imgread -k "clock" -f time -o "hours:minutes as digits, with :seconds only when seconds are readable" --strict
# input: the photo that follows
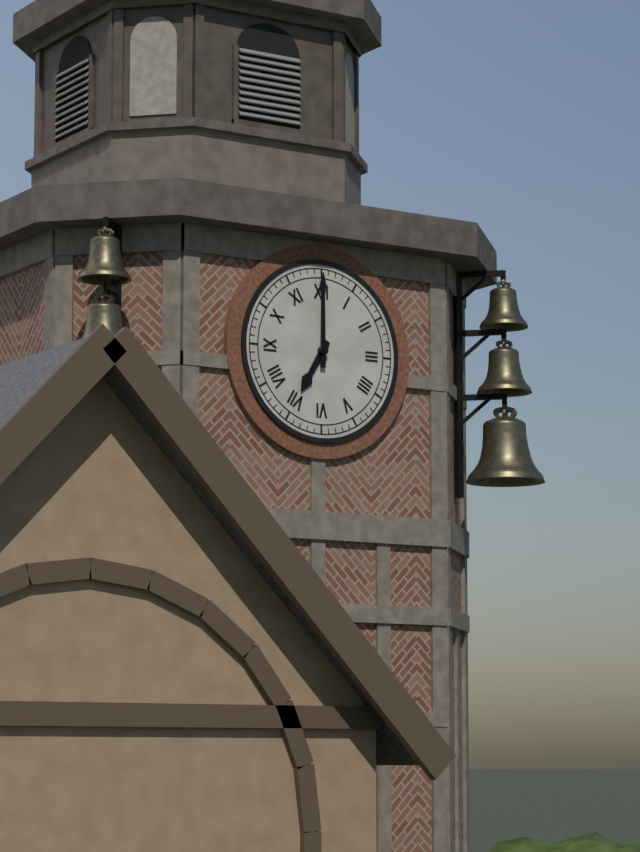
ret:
7:00
